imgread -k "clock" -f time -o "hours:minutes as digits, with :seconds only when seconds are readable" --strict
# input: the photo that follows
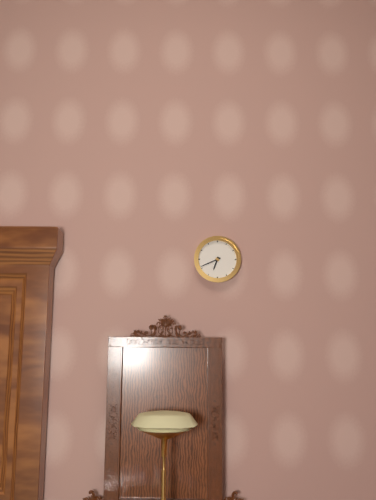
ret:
6:41
